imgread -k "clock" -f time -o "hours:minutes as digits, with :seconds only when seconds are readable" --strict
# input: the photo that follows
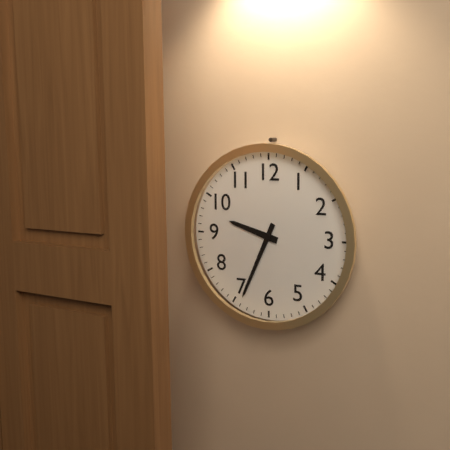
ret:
9:34
